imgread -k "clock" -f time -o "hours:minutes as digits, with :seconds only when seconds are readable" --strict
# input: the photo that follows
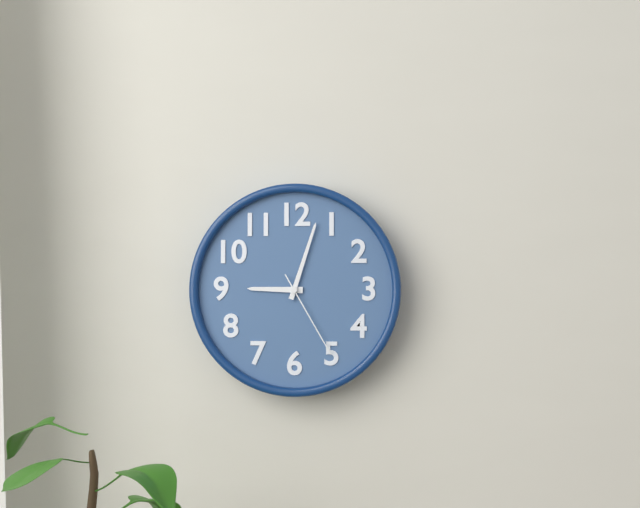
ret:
9:03:25
